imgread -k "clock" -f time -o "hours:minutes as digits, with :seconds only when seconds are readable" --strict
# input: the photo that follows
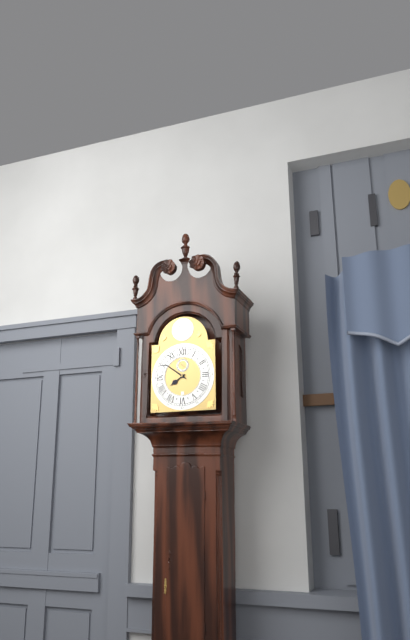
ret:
7:51
